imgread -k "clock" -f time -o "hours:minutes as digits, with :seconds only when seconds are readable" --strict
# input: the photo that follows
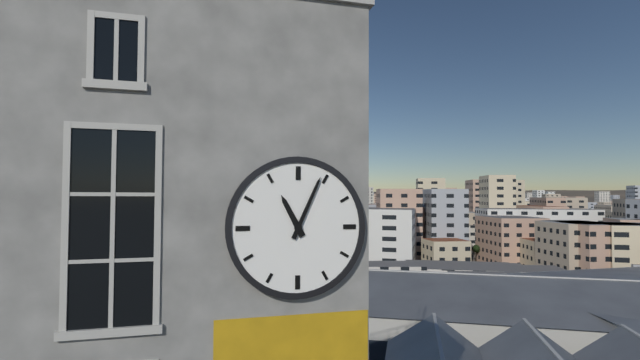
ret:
11:04
